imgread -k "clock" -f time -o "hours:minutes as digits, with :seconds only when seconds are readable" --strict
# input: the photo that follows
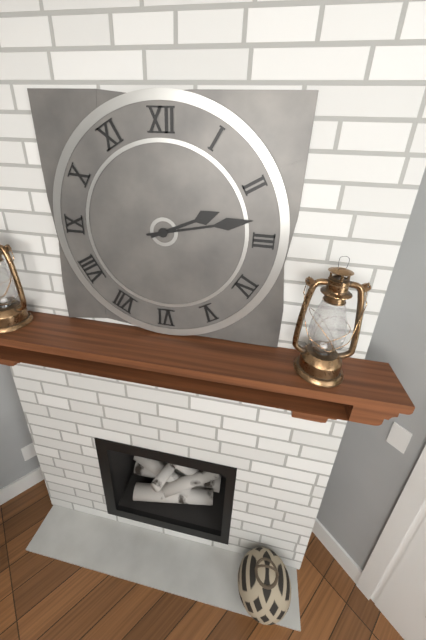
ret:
2:13
